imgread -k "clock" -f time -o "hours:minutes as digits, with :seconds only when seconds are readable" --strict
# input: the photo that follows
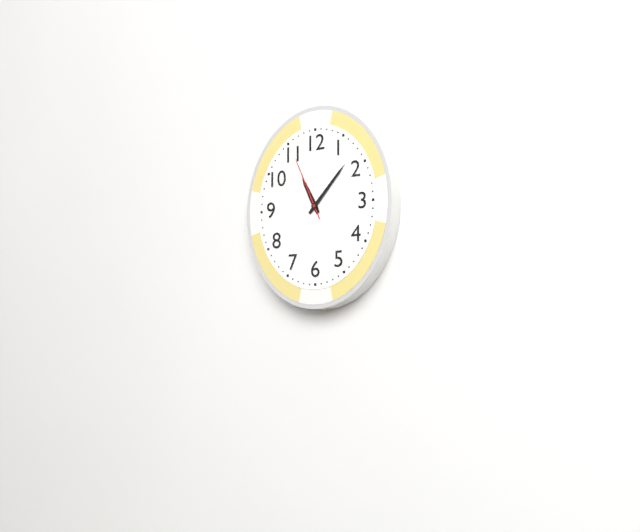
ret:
11:07:56
